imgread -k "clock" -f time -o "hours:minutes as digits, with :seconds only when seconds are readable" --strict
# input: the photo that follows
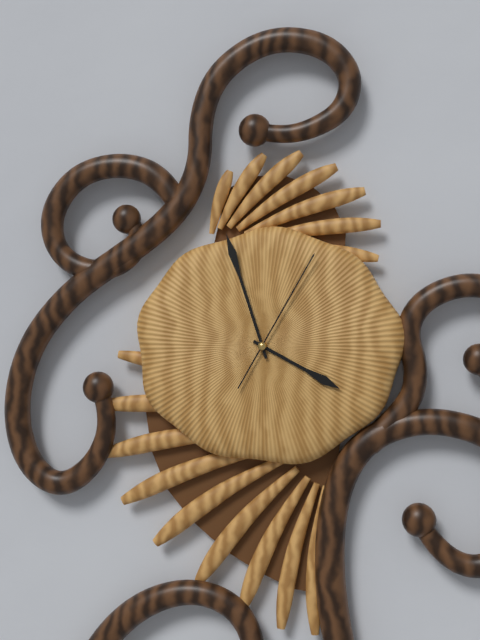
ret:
3:57:05
